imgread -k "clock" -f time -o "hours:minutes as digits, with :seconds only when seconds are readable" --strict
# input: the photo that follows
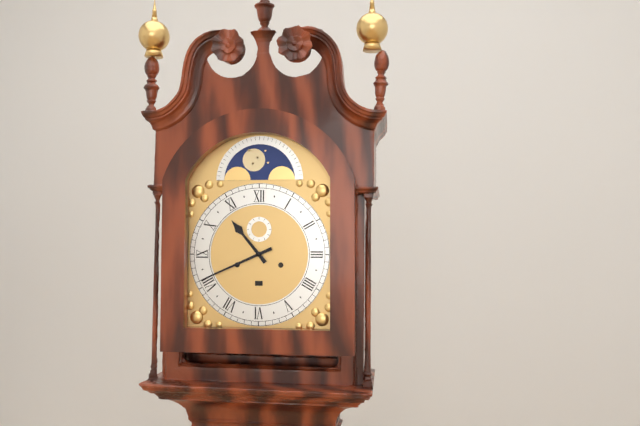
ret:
10:41
